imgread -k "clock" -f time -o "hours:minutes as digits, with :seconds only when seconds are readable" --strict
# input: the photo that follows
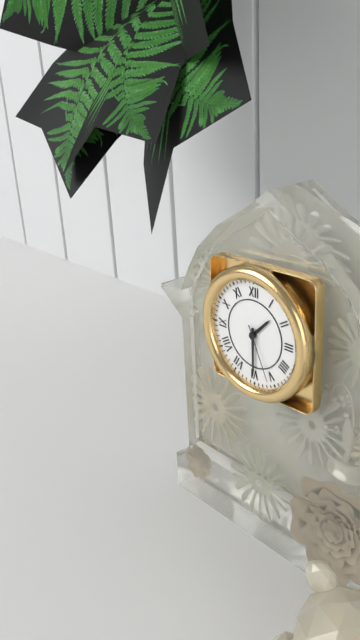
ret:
1:30:26
